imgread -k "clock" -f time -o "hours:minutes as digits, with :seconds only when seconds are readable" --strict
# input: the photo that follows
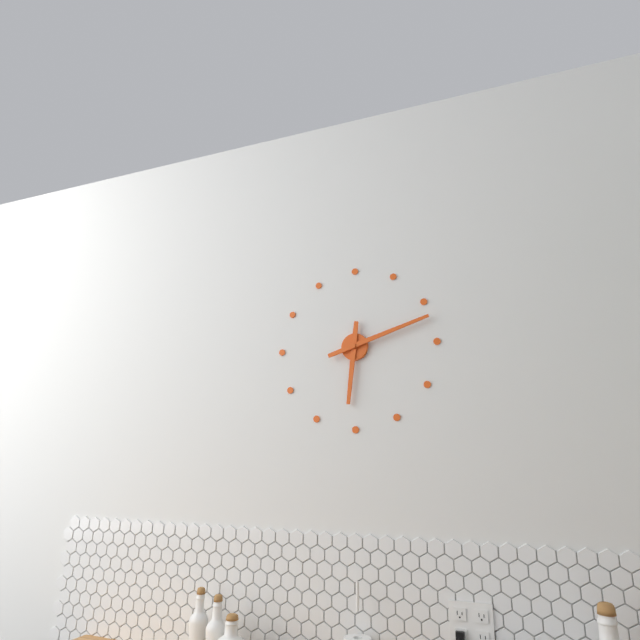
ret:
6:12
